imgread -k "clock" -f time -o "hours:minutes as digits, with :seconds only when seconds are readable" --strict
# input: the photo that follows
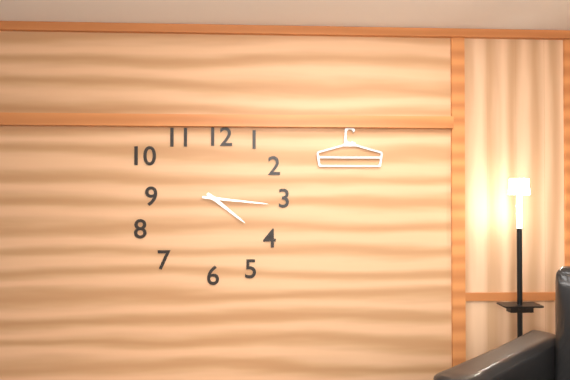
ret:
4:16
